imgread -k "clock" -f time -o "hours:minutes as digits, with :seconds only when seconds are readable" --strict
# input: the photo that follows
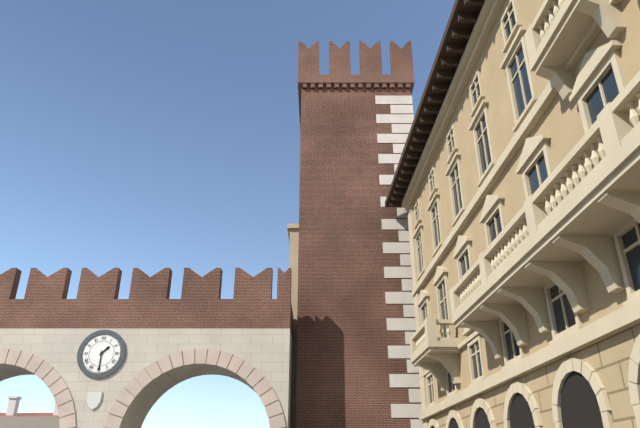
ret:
1:30
